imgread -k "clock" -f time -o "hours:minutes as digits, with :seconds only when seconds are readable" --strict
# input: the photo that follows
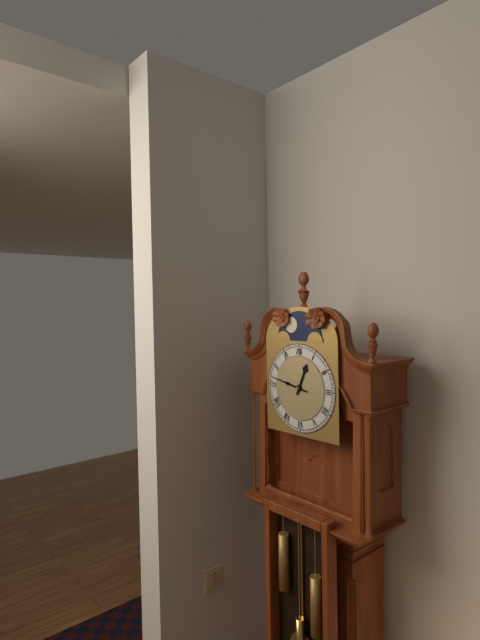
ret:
12:47
